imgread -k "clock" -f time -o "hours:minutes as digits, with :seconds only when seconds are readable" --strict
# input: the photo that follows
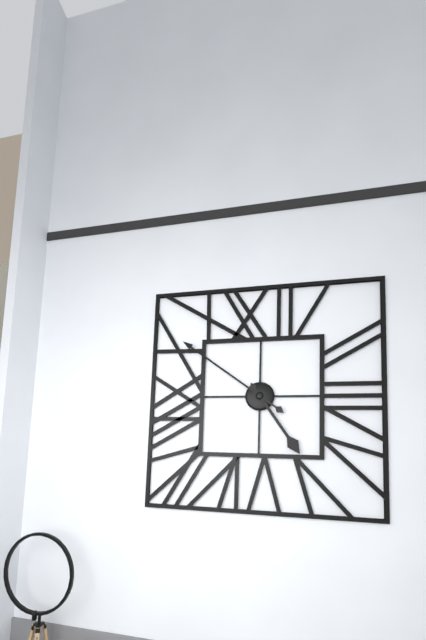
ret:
4:51
